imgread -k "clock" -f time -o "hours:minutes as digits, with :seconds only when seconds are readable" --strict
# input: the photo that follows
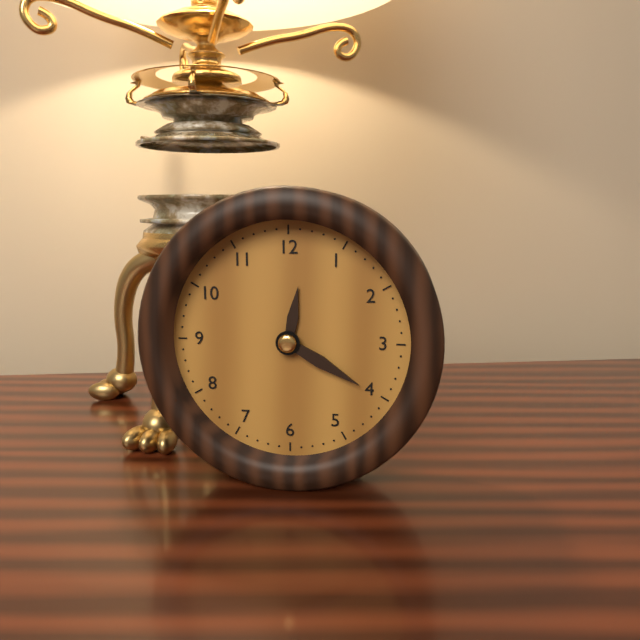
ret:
12:20
